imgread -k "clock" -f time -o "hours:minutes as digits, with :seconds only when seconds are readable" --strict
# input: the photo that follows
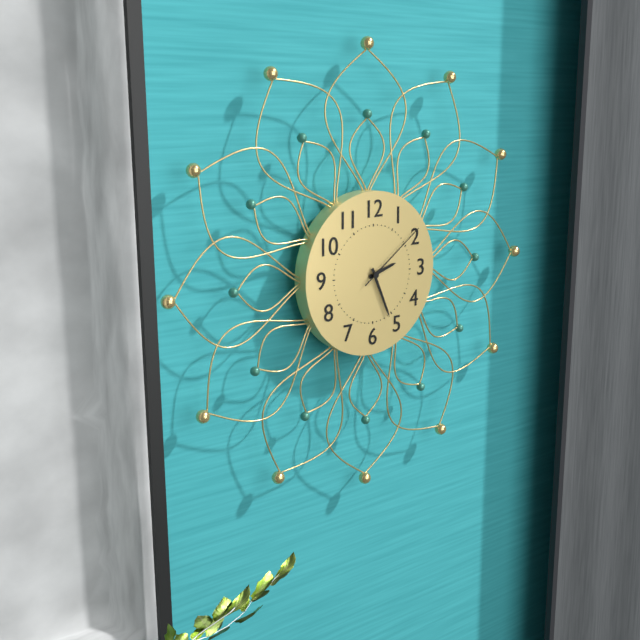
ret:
2:26:09
